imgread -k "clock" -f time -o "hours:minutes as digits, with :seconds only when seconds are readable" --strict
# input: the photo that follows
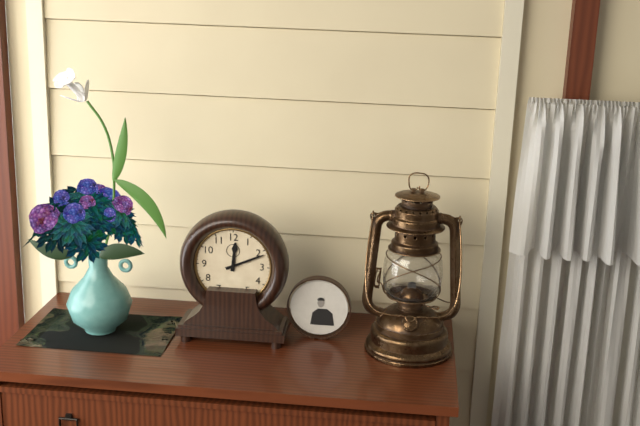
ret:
12:11
